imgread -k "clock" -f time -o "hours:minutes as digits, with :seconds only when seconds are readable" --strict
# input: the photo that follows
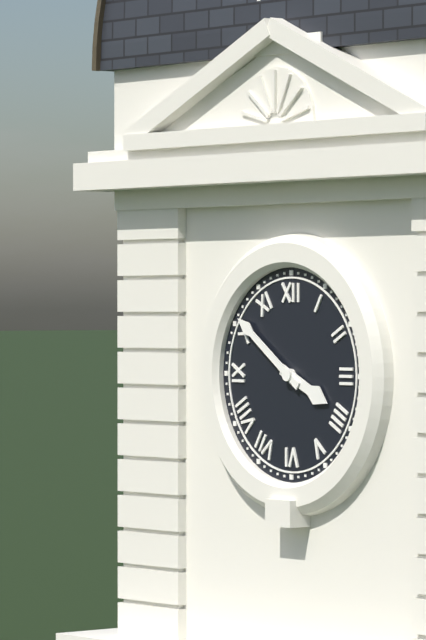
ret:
3:51
